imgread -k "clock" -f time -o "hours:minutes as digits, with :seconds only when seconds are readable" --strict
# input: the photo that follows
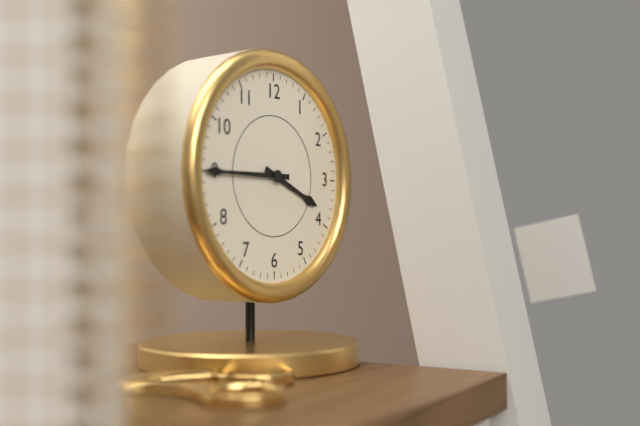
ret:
3:45
